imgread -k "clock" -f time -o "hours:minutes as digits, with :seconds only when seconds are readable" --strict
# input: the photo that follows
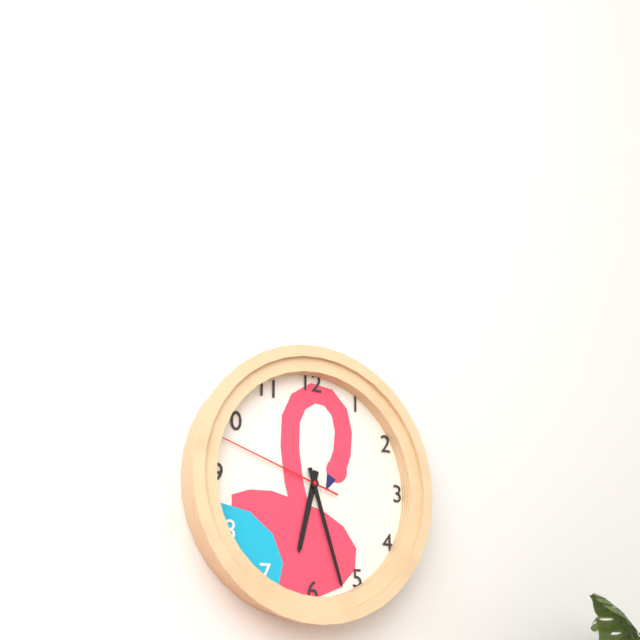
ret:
6:27:48
